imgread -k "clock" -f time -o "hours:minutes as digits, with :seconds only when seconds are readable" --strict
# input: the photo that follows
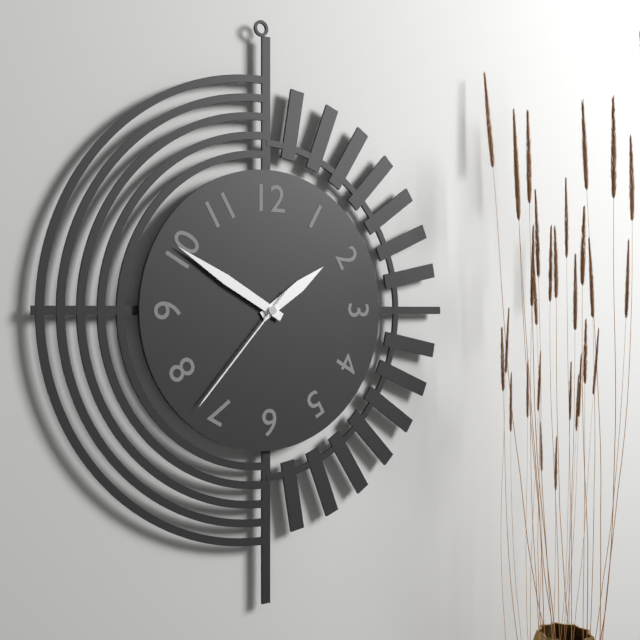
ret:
1:50:37
